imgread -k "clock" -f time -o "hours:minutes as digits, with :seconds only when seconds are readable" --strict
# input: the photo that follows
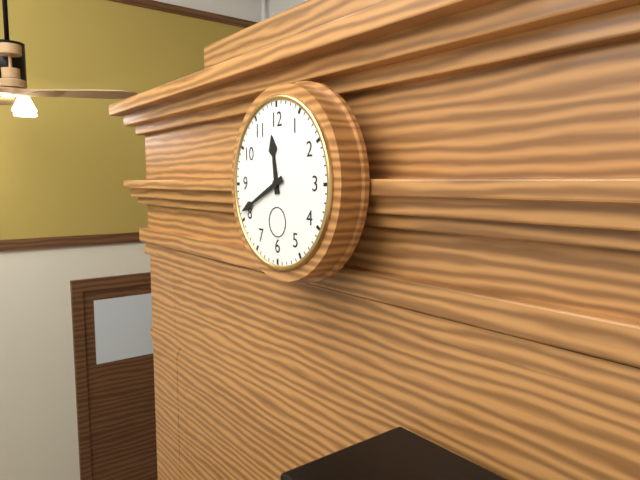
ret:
11:41
